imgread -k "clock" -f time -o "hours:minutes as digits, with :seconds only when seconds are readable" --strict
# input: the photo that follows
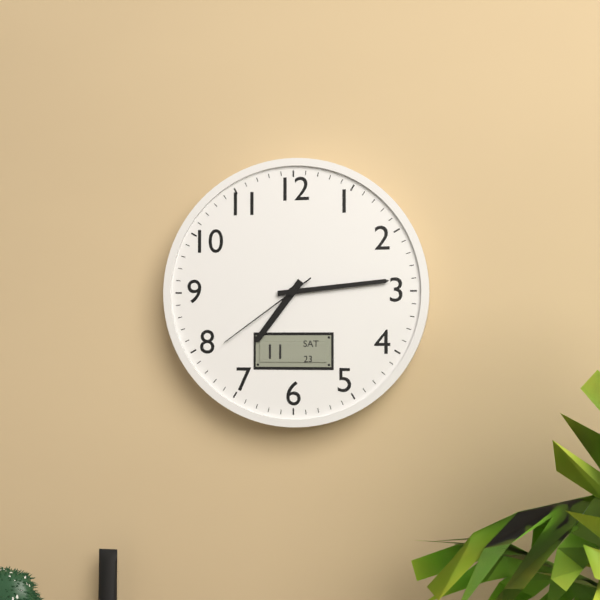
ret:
7:14:39
